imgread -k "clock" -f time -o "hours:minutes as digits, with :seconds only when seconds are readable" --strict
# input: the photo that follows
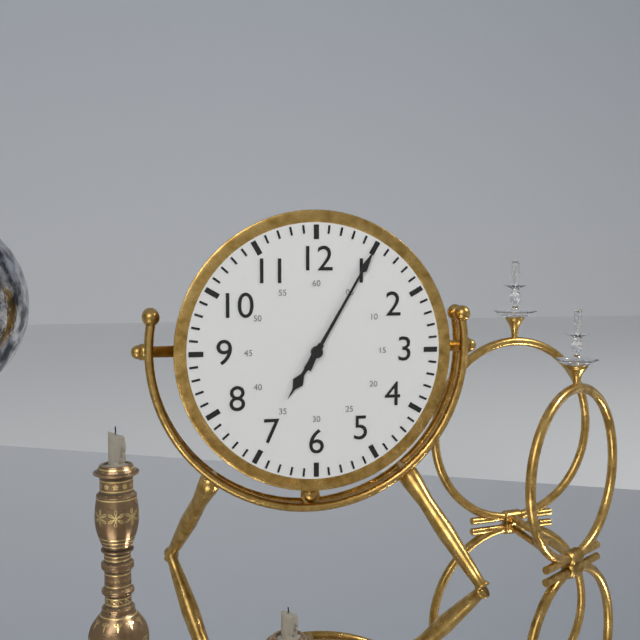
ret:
7:05
